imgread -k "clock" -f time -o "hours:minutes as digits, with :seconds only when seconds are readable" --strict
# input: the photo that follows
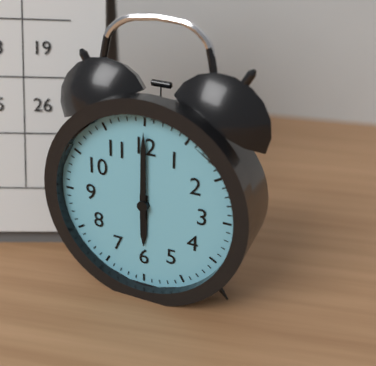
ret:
6:00
